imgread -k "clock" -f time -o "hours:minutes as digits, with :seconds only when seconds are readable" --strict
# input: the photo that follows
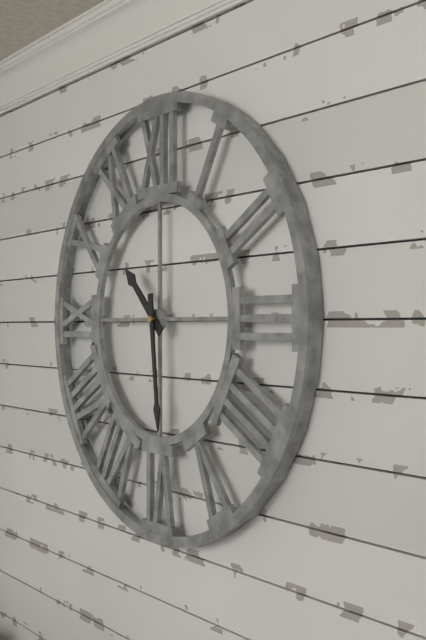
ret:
10:29
